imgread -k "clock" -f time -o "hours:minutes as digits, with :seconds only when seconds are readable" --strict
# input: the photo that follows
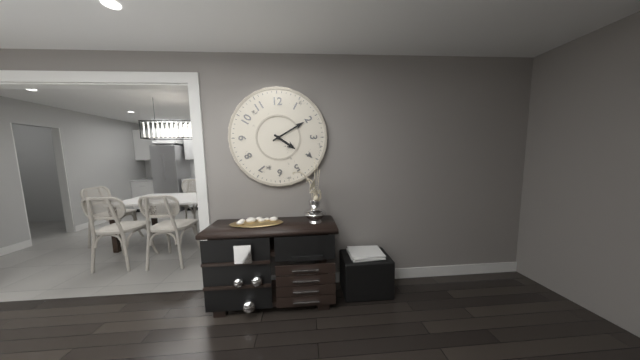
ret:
4:10
